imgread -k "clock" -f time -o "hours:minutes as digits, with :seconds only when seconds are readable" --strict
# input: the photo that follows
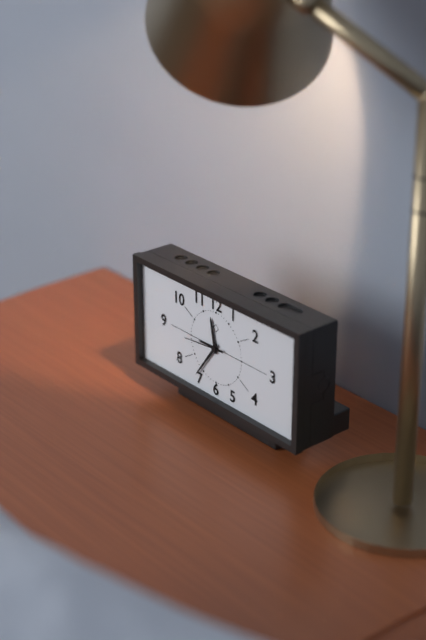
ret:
11:36
